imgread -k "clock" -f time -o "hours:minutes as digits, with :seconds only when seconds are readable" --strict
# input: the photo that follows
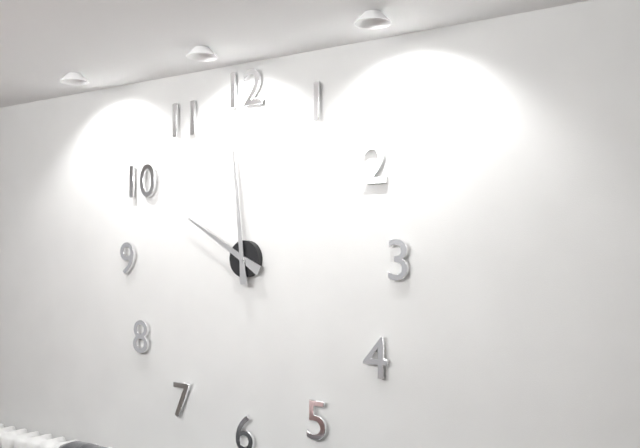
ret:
9:59
